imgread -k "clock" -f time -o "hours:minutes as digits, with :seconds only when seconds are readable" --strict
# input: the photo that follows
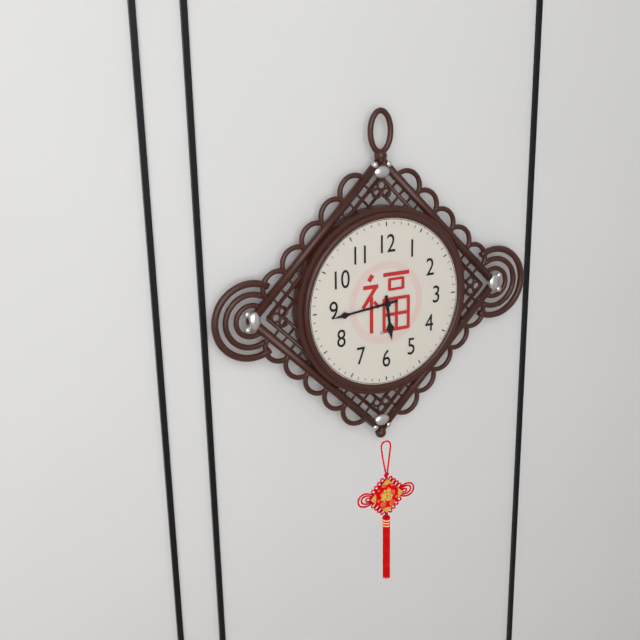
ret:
5:44
